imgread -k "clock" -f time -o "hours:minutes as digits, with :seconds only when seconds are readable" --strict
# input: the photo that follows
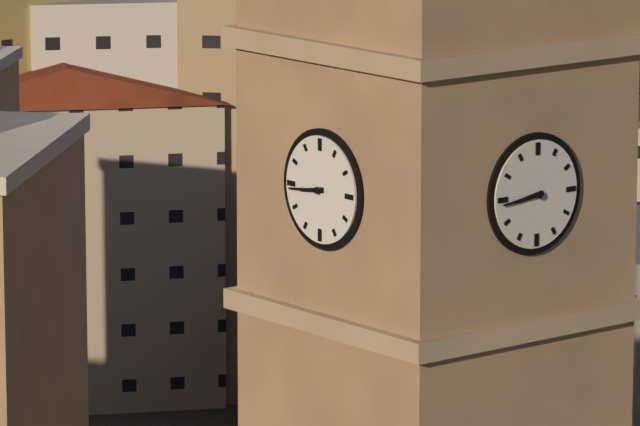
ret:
8:44
